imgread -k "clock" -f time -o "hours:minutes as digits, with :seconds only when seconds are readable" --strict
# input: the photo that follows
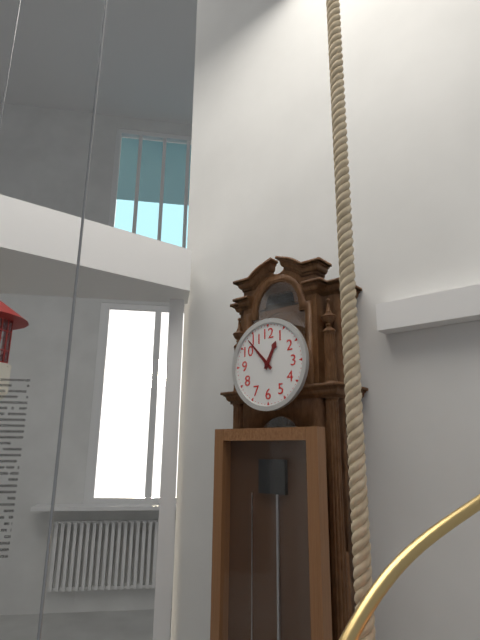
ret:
12:53
